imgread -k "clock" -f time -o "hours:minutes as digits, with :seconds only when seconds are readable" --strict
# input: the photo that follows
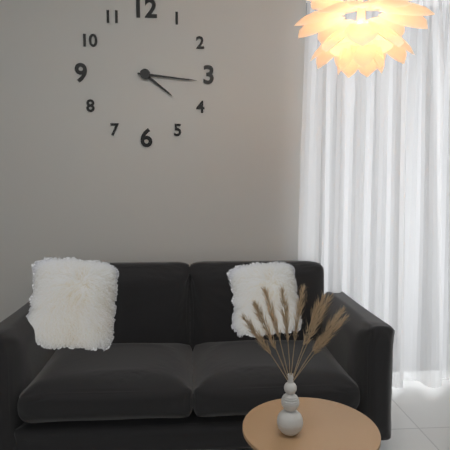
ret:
4:16
